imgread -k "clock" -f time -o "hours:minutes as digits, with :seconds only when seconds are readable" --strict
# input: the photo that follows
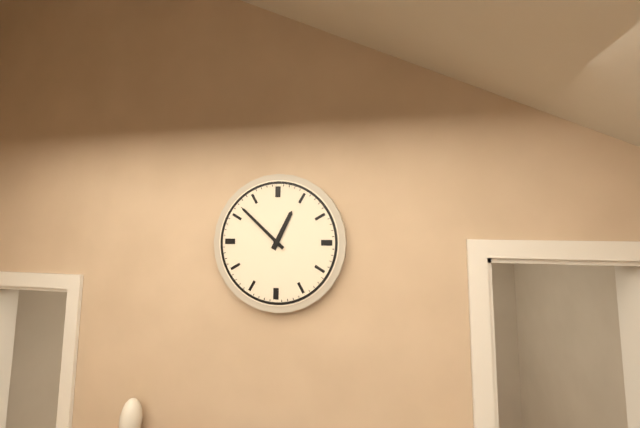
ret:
12:52
